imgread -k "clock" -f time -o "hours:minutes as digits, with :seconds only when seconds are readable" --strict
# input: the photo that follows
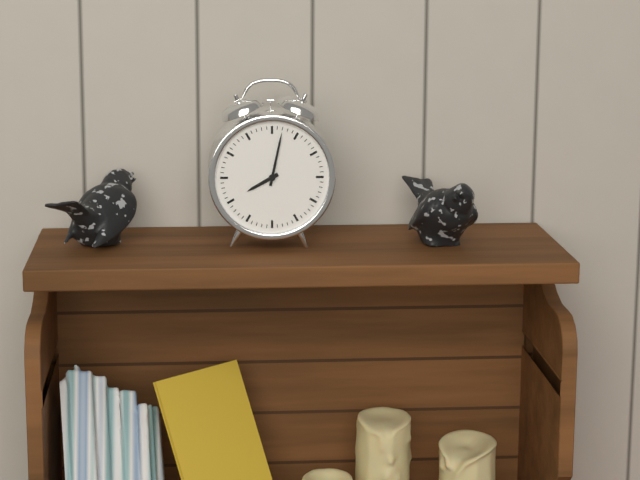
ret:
8:02
